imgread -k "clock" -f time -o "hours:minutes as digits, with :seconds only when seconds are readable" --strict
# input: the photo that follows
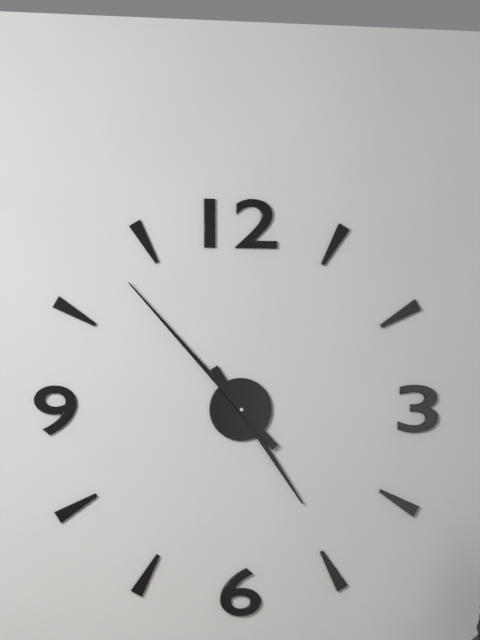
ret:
4:53
